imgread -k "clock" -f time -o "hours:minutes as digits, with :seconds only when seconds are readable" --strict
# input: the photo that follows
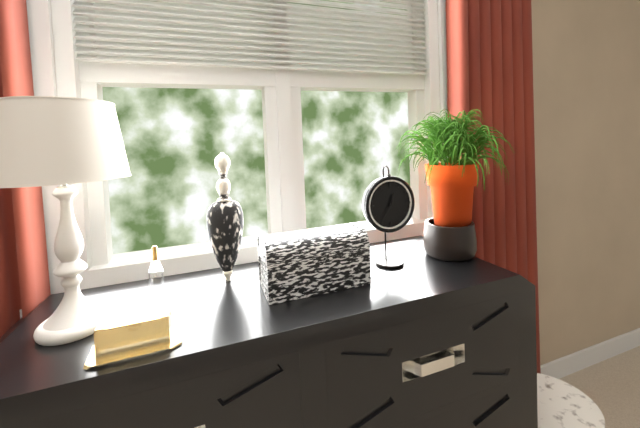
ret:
12:36
